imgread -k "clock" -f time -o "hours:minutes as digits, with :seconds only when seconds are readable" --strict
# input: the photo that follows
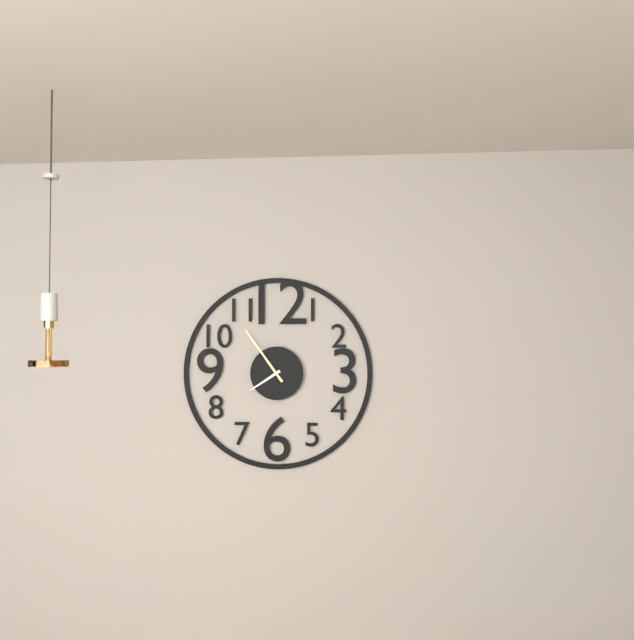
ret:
7:54
